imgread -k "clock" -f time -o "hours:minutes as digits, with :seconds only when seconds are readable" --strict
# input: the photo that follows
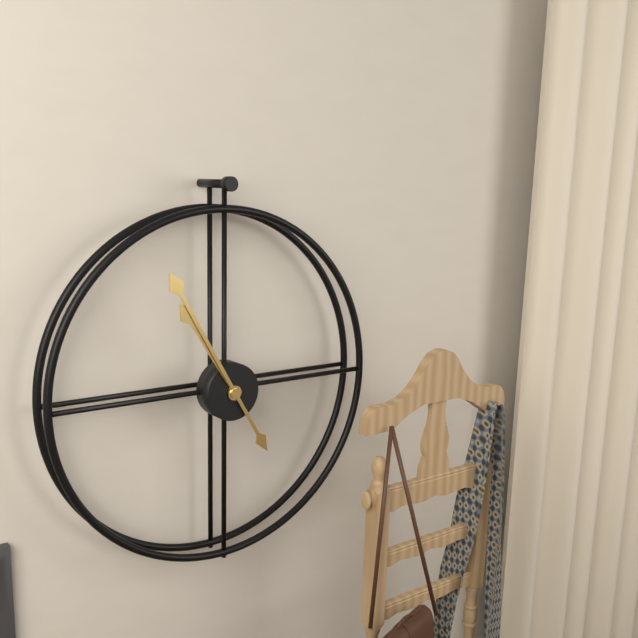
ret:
10:55
